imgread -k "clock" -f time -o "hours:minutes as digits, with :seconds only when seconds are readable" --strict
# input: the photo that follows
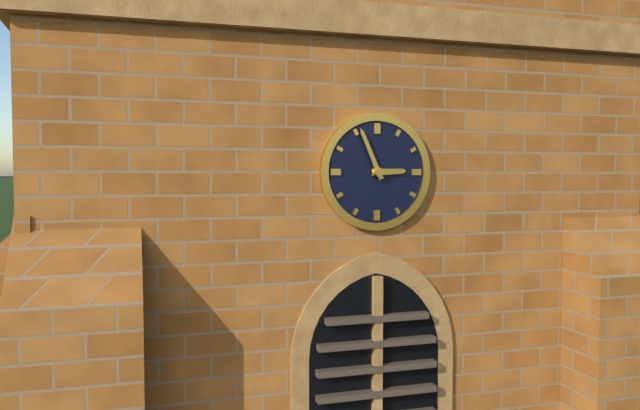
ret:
2:56
